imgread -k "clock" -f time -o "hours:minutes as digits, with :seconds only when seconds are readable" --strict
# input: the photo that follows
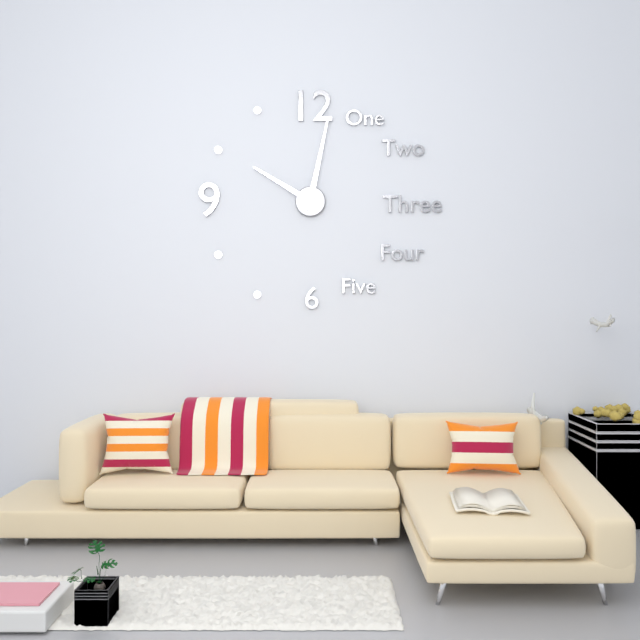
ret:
10:02
